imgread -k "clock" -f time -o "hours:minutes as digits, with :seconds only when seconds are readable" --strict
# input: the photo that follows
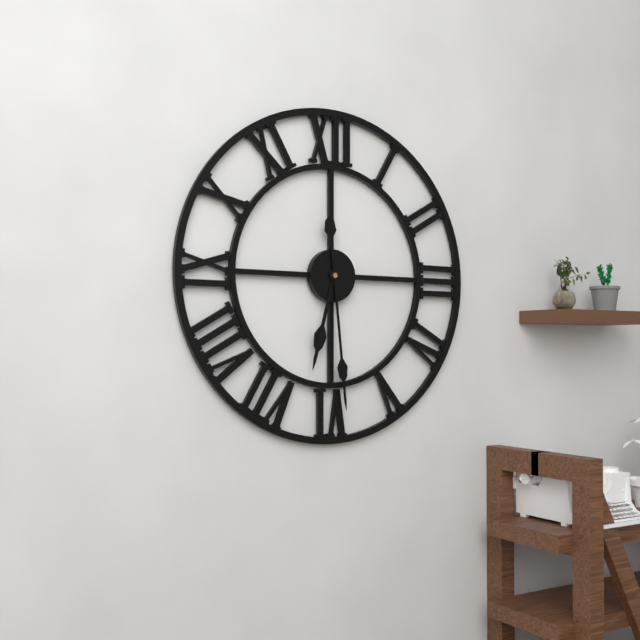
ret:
6:29
